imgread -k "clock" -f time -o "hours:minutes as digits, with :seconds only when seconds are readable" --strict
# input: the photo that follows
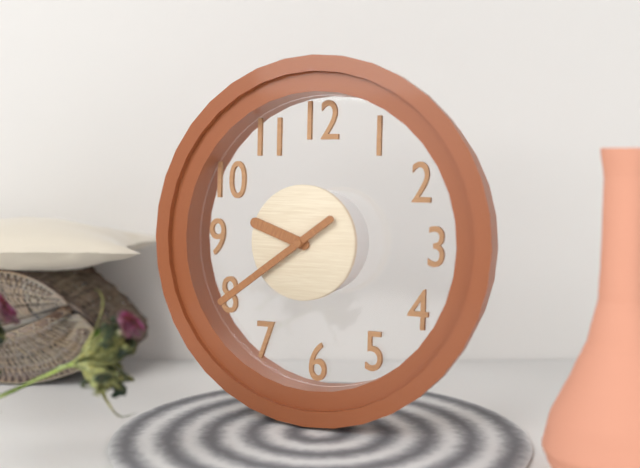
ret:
9:39
